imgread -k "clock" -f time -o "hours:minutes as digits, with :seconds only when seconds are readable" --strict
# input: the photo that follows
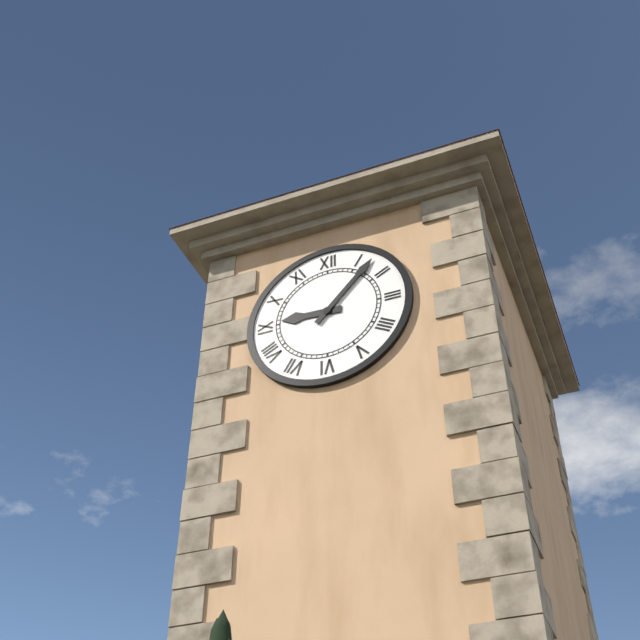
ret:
9:07
